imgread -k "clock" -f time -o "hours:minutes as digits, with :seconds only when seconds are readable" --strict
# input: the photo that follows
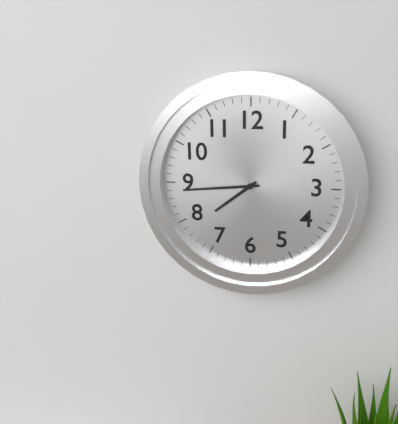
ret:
7:44
